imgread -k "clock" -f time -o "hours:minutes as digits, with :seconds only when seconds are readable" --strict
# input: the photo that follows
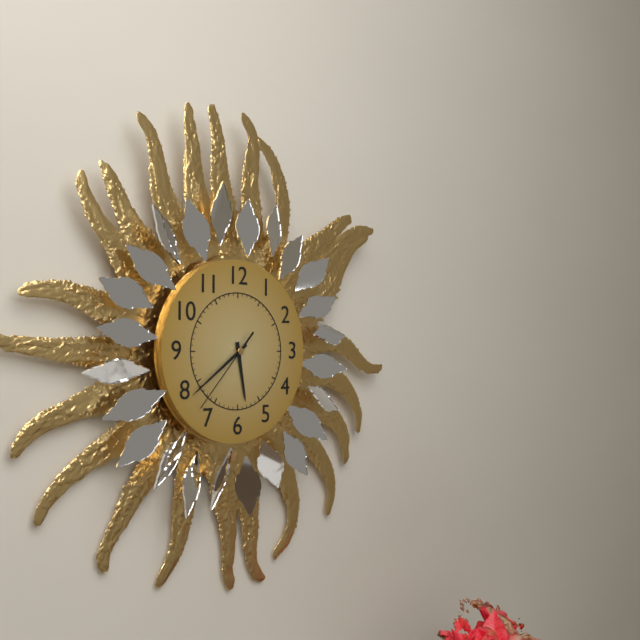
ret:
5:39:37
